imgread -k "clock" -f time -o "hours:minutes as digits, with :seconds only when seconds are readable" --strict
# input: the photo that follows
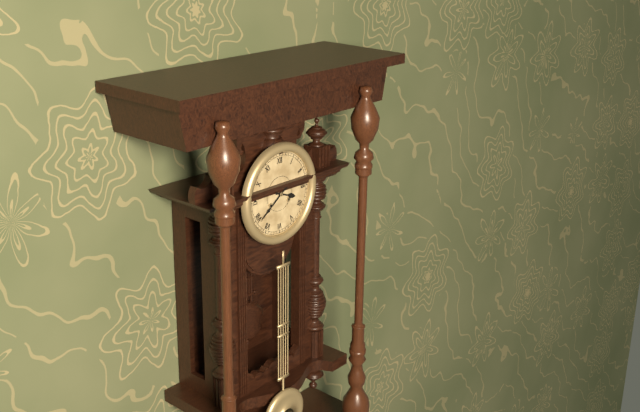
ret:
3:39
